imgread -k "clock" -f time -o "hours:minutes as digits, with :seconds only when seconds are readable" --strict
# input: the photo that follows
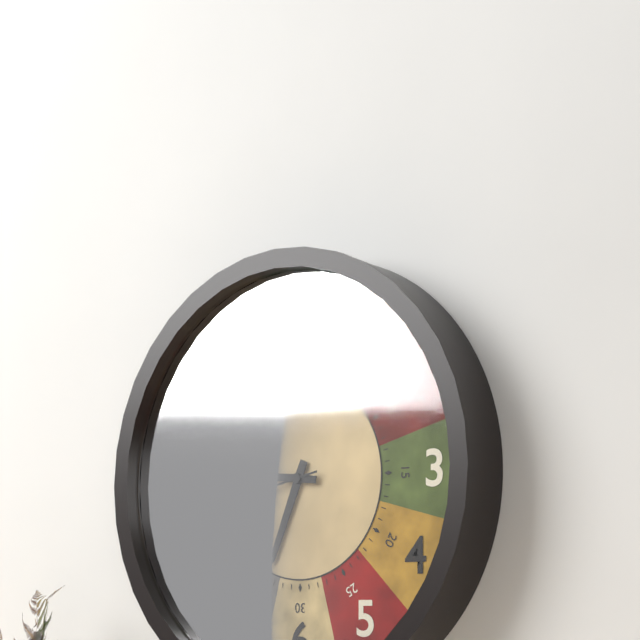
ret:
6:46:43
